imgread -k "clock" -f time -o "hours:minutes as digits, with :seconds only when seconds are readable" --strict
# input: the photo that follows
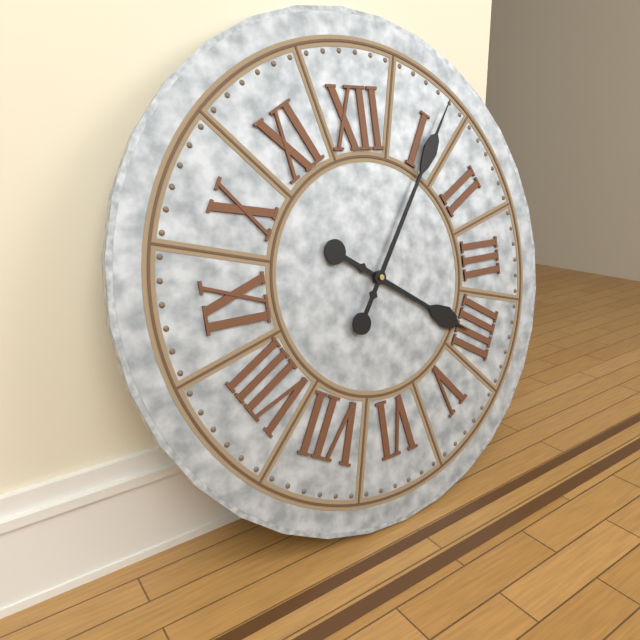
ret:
4:06
